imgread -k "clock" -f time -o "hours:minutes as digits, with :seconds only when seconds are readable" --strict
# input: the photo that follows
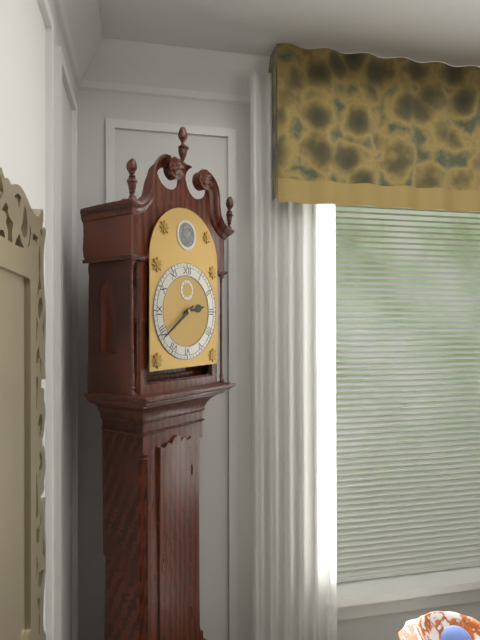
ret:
2:39
